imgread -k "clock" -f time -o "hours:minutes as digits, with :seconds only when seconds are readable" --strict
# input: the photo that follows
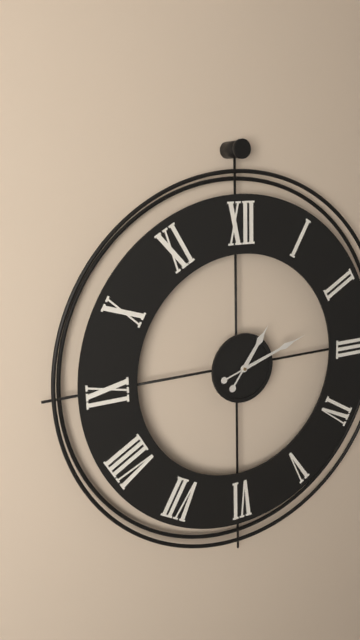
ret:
1:12
